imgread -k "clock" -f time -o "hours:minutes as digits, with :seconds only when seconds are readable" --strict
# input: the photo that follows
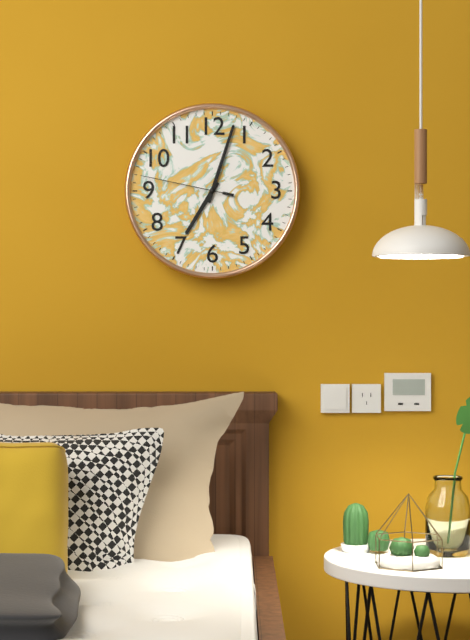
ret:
7:03:47
